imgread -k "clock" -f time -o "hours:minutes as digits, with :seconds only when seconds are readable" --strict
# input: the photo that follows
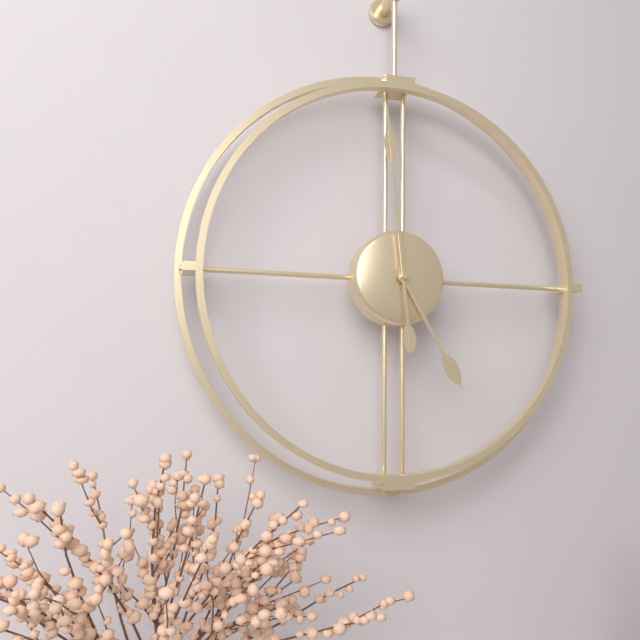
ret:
4:59
